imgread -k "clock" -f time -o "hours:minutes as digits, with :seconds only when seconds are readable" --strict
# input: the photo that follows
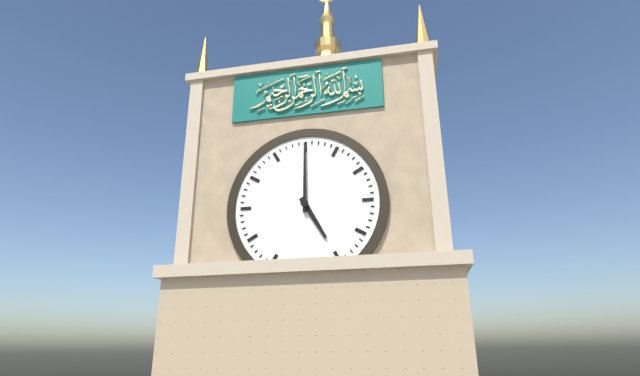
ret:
5:00
